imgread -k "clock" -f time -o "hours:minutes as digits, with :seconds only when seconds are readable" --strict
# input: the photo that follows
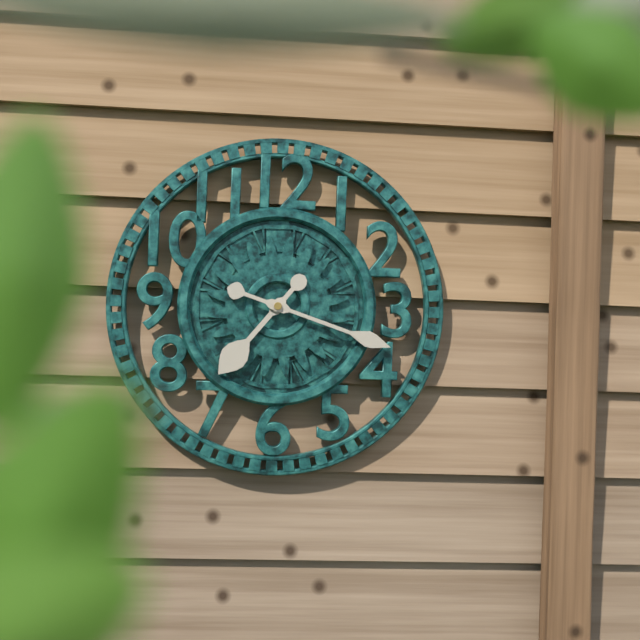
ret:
7:18
